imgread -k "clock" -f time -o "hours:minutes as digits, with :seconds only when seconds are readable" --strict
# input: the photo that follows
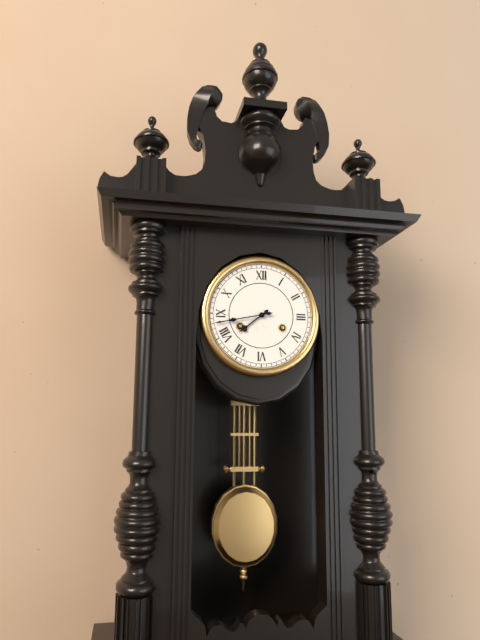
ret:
7:43
